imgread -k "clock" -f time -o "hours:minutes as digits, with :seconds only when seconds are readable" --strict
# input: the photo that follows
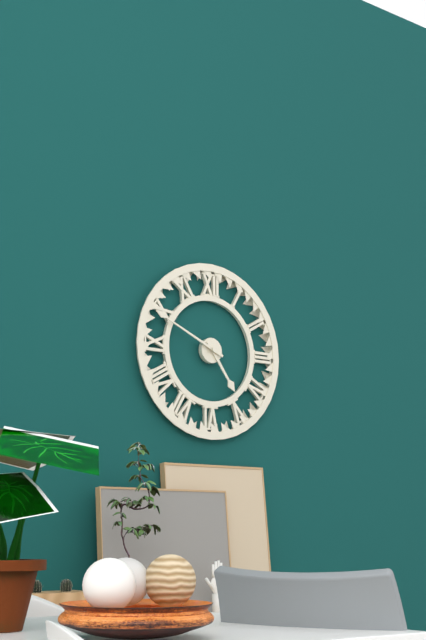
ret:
4:49
